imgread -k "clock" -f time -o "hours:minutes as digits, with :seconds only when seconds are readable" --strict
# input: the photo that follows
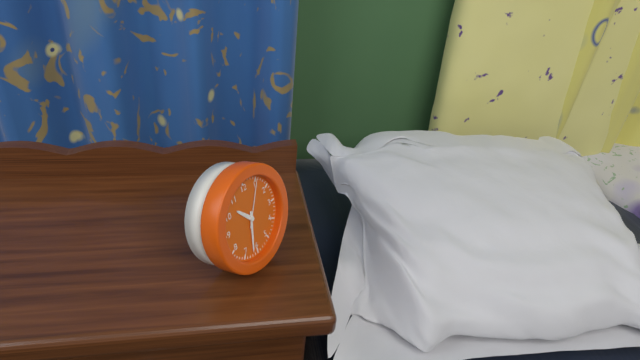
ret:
10:32
